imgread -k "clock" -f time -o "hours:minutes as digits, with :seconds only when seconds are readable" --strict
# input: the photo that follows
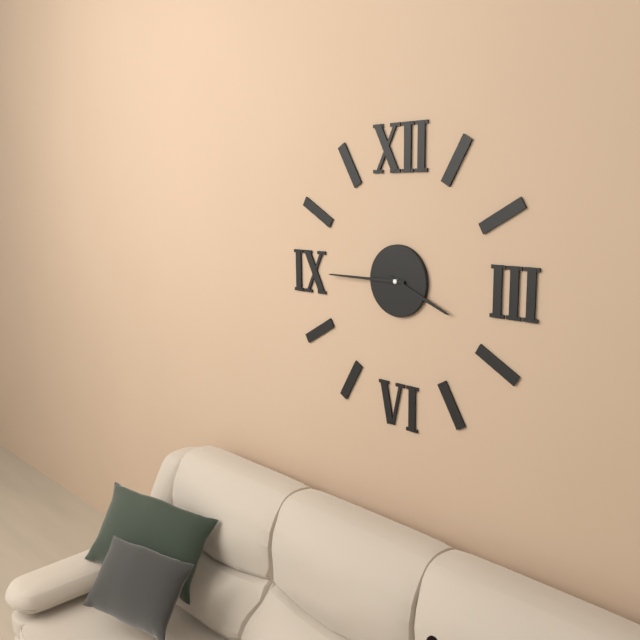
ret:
3:45
